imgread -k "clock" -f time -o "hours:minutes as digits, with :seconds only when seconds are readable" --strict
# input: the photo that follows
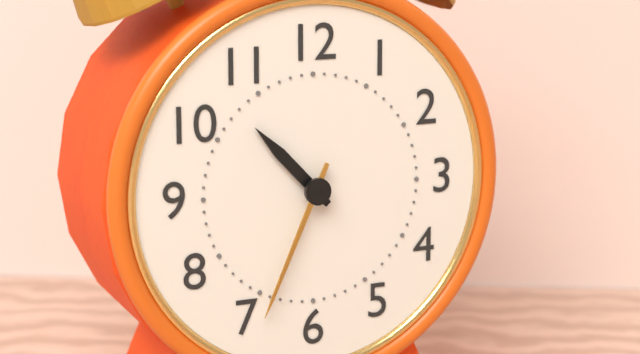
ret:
10:34
